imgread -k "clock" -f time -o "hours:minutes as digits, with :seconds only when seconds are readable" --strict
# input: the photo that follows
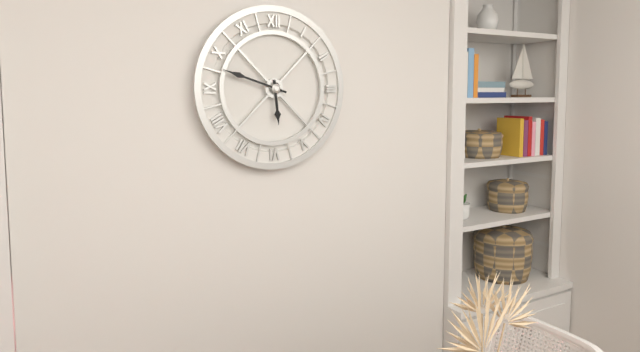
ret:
5:48
